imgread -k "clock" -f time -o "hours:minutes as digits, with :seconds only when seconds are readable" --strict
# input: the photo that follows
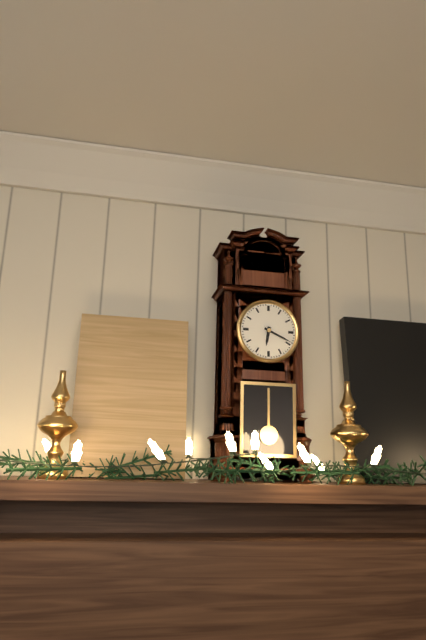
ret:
6:19
